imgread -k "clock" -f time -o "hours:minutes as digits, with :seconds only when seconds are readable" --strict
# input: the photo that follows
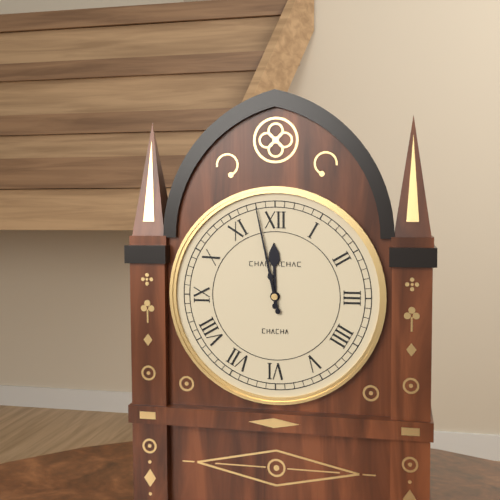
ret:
11:58
